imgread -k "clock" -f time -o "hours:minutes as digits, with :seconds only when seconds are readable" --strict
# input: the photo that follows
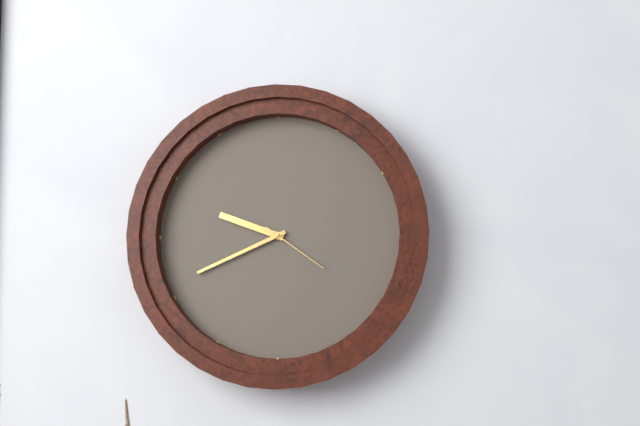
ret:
9:41:21
